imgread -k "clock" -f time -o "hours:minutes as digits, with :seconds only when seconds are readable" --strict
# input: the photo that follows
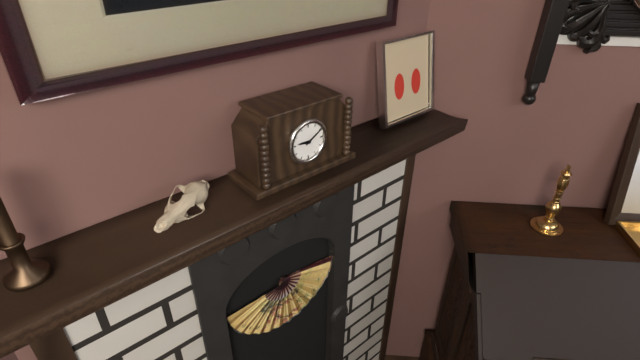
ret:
9:10
